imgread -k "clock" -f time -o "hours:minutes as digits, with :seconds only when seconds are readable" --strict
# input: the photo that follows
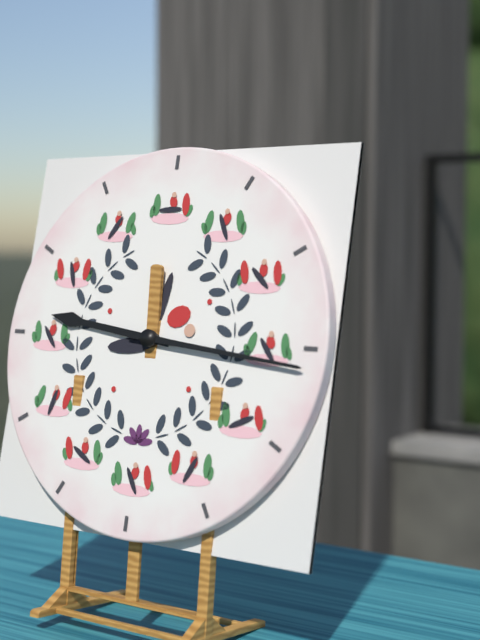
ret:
9:16
